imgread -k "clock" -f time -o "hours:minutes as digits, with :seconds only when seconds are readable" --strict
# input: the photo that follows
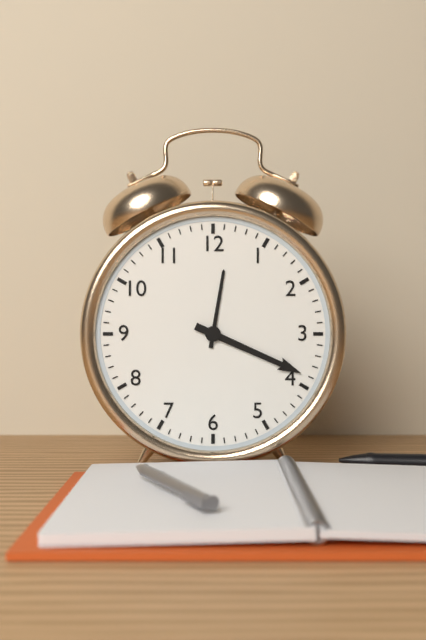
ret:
12:19
